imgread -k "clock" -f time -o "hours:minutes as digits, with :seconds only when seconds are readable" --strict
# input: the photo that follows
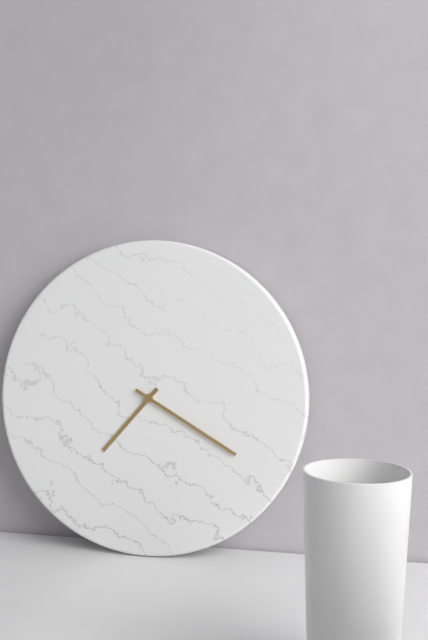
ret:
7:20
